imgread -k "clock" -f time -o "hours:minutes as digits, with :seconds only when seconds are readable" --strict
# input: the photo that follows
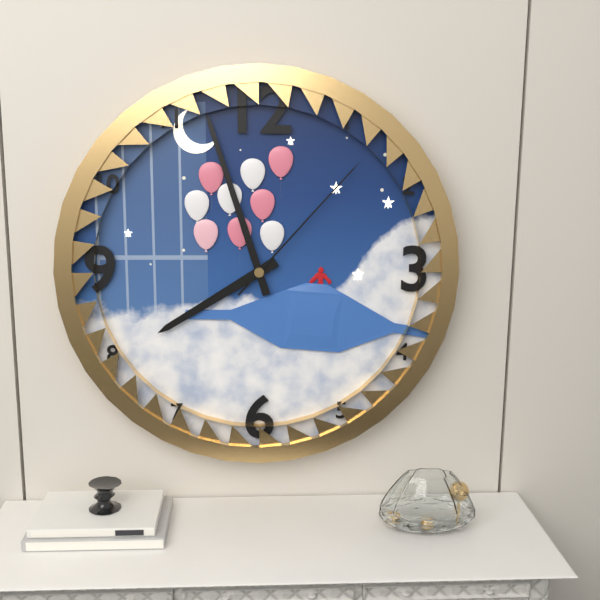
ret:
7:57:07
